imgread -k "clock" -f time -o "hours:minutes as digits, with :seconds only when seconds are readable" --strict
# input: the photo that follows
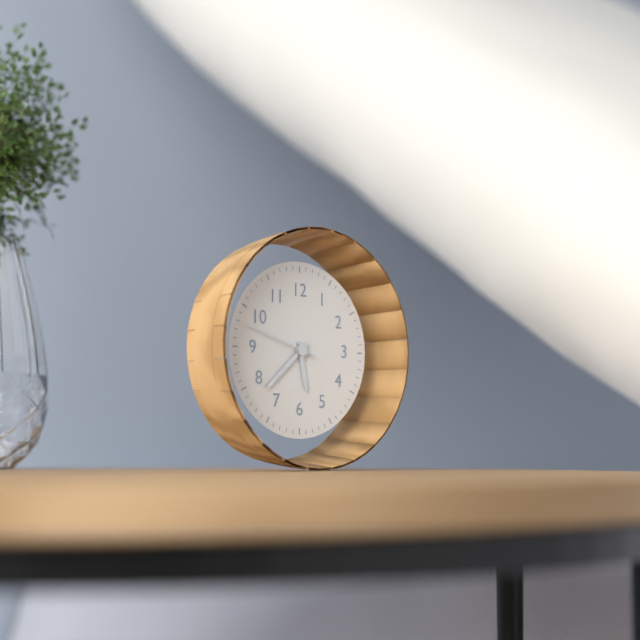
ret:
5:38:48
